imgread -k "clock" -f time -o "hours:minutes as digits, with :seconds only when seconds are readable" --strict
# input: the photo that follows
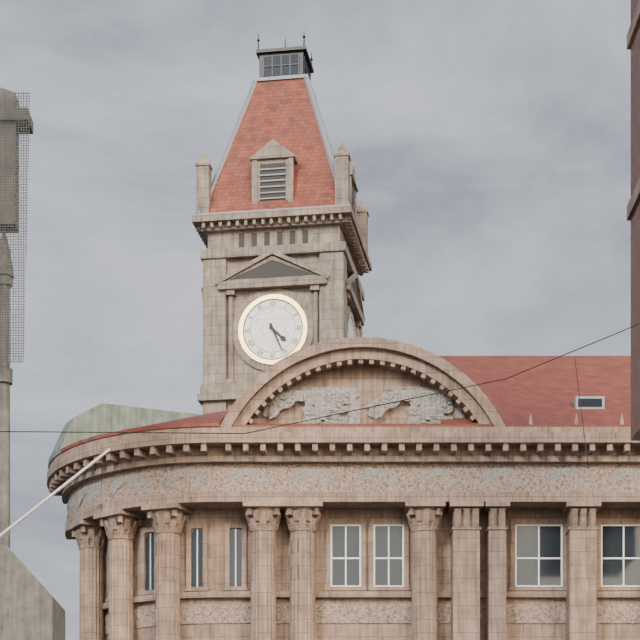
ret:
4:26
